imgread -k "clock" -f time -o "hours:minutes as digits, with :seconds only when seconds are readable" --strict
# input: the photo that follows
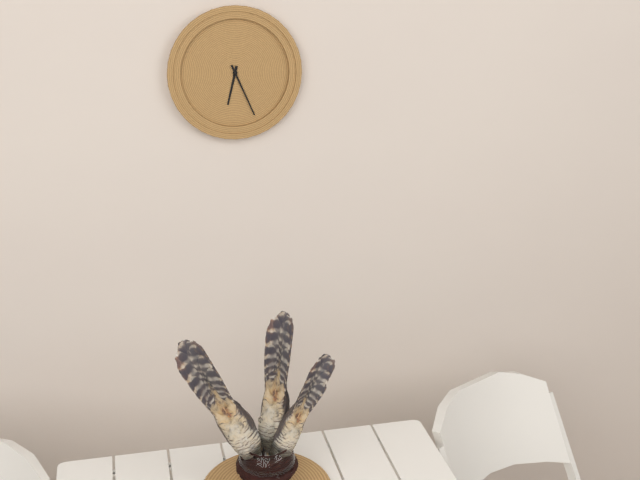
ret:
6:26
